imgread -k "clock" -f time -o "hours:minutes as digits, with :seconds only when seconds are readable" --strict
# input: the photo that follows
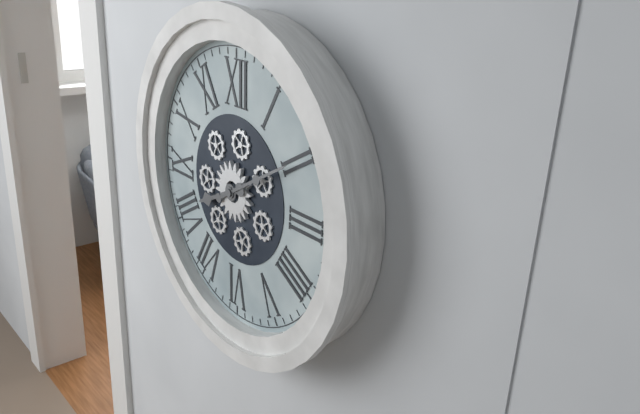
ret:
8:10
